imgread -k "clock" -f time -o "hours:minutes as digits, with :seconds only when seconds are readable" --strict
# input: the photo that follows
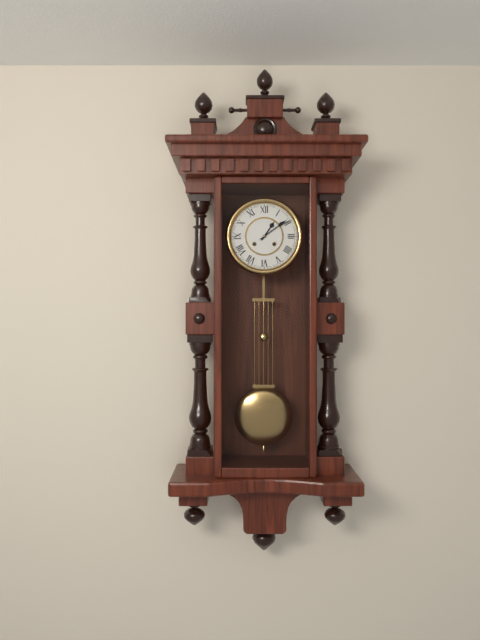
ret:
1:09
